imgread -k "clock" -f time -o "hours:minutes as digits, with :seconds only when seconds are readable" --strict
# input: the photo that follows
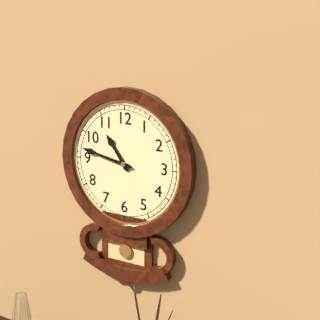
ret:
10:47
